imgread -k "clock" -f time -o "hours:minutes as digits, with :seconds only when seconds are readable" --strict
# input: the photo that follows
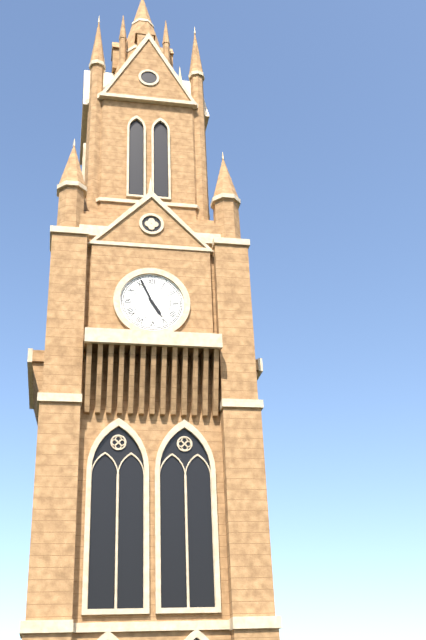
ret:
4:56
